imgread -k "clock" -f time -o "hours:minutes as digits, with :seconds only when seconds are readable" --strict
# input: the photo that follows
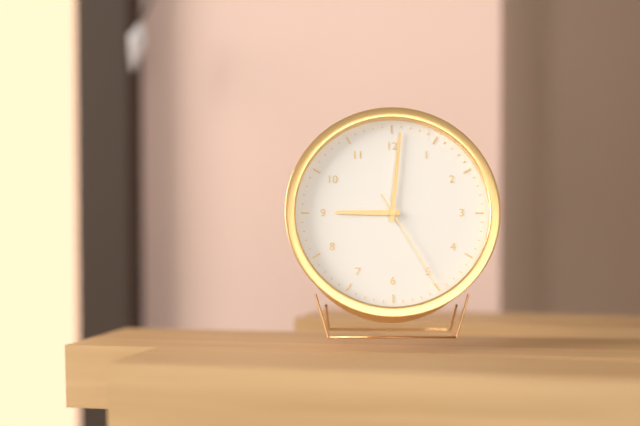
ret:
9:01:25
